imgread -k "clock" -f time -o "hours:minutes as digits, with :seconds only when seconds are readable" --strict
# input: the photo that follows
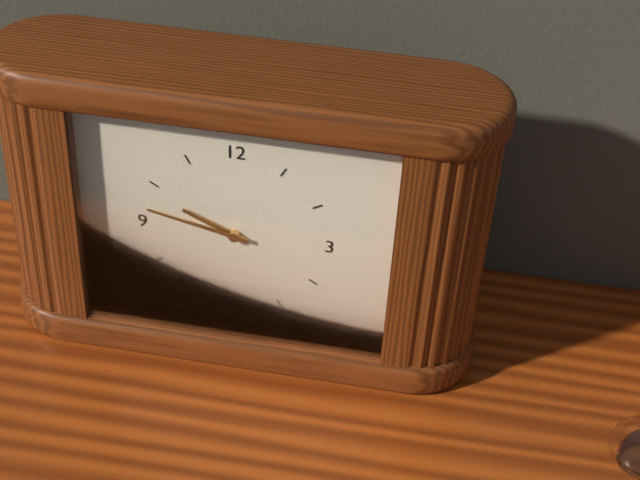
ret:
9:47
